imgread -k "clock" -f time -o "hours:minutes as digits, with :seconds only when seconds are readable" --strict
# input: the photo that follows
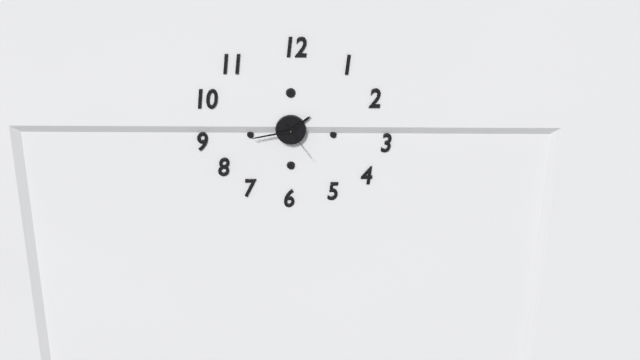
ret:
1:43
